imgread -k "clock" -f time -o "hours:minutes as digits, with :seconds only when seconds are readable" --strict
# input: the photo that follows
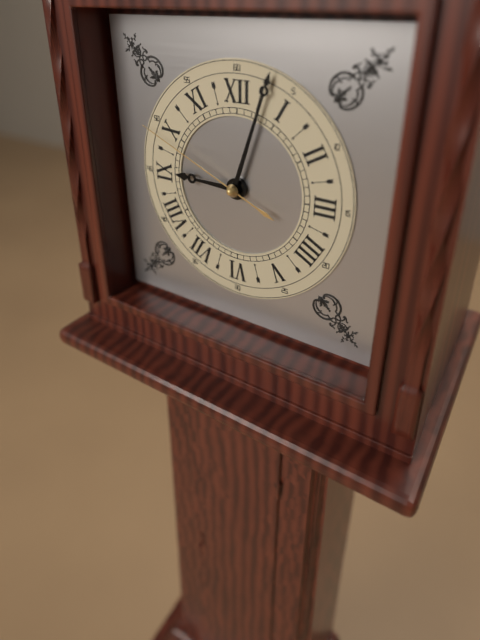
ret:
9:03:49
